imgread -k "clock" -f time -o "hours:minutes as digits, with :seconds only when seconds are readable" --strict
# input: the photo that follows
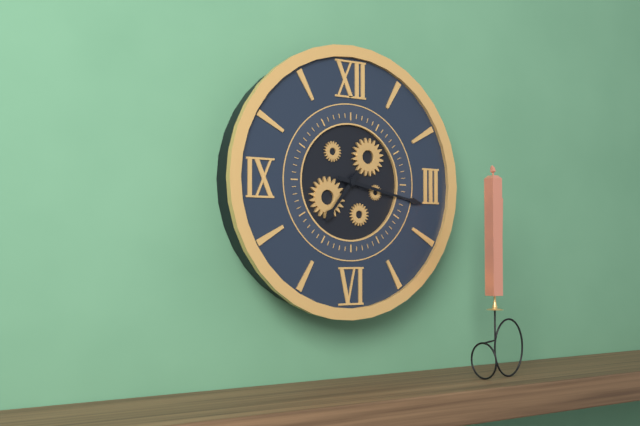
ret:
7:17
